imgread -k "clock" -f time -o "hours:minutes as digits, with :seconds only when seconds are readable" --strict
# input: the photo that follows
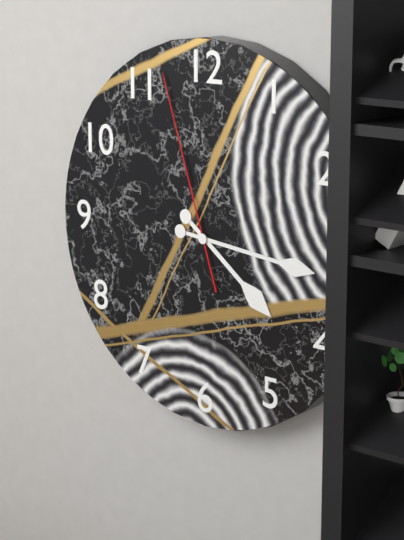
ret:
4:16:57
